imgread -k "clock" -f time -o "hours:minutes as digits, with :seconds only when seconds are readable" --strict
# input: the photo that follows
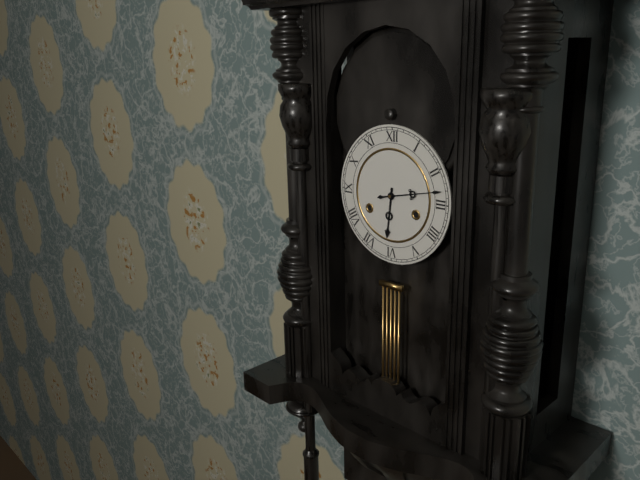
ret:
6:13
